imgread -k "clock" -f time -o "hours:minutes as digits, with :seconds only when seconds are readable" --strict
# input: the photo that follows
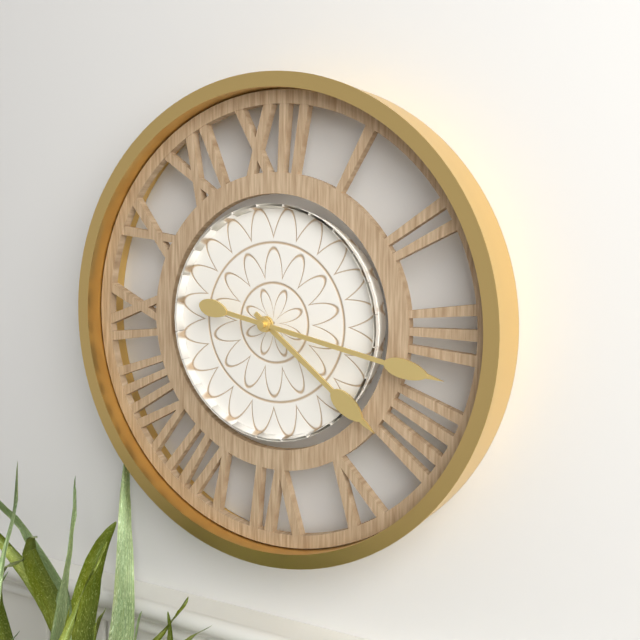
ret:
4:17
